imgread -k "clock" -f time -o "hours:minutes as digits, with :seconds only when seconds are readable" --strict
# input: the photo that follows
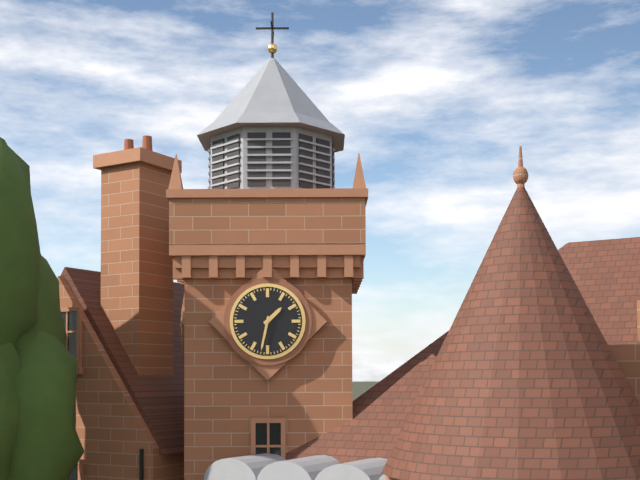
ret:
1:32
